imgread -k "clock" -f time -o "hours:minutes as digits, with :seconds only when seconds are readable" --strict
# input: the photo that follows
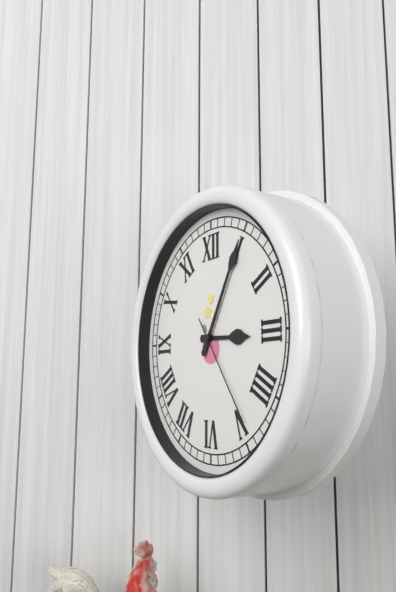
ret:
3:05:24
